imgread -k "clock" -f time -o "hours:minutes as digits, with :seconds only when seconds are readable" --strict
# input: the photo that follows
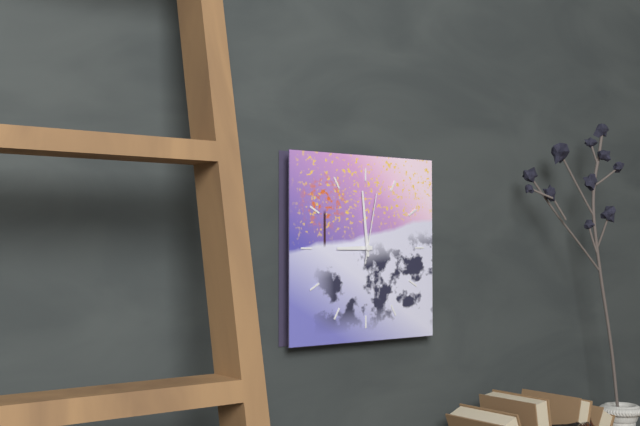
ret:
8:59:02
